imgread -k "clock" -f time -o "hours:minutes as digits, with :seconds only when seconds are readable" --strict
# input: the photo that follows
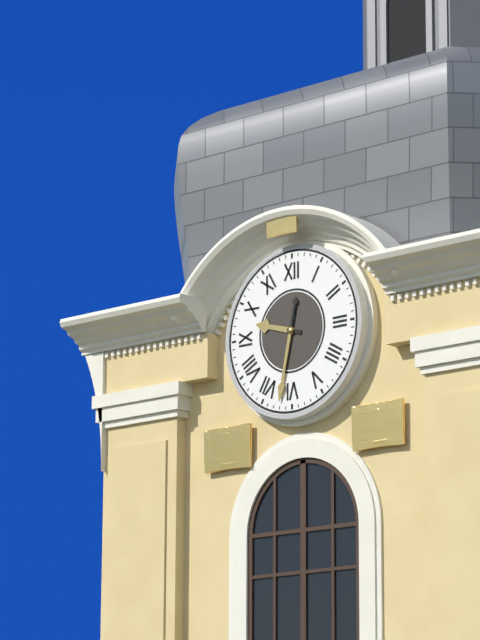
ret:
9:32
